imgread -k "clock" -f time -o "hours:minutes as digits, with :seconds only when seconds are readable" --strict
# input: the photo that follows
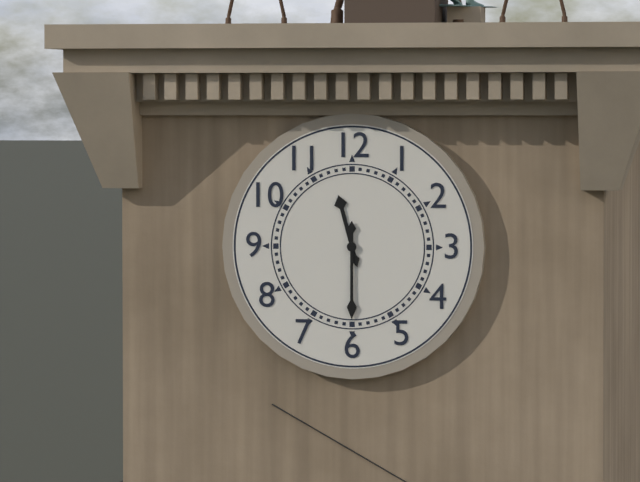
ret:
11:30
